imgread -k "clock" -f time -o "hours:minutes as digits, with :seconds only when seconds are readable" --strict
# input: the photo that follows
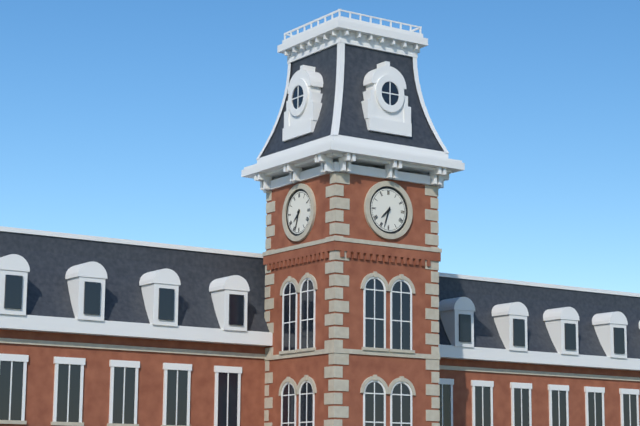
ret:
7:33
